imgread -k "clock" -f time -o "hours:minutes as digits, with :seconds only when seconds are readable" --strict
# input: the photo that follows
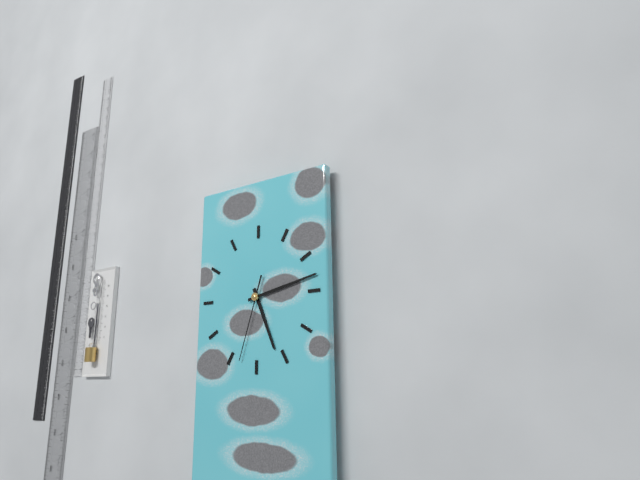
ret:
5:13:33
